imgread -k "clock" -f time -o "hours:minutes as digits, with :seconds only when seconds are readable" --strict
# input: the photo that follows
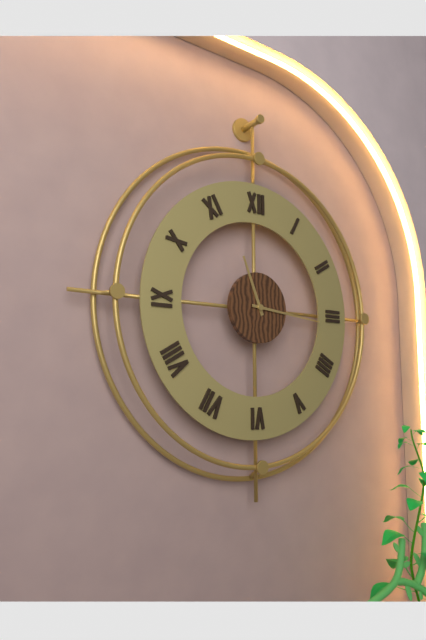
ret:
11:16
